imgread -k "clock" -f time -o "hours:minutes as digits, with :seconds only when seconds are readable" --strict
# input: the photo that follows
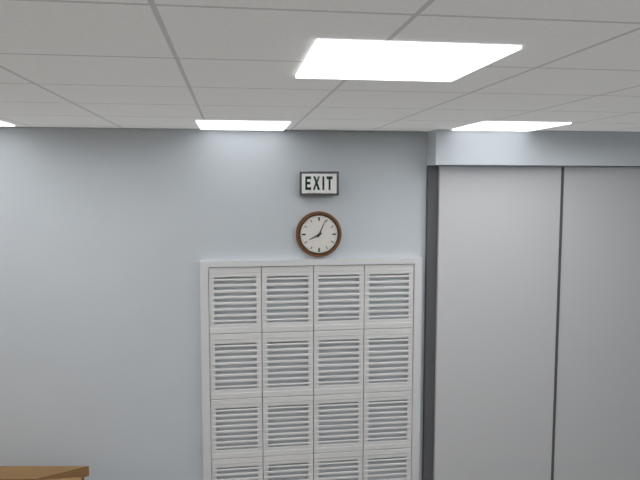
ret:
8:04
